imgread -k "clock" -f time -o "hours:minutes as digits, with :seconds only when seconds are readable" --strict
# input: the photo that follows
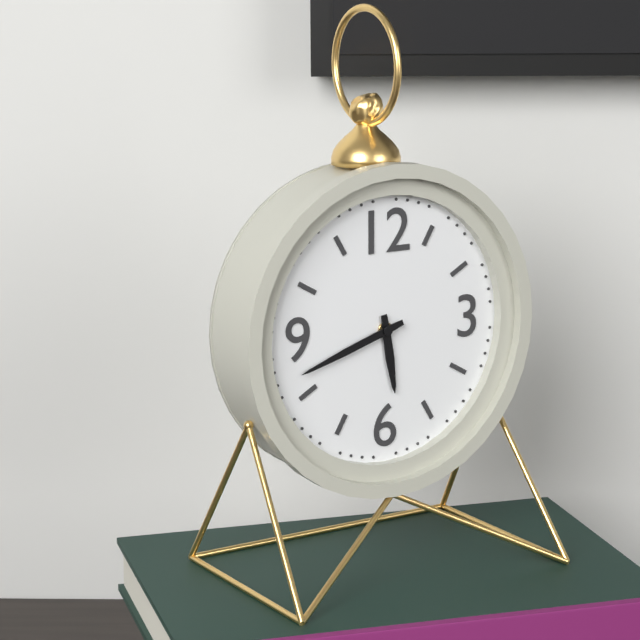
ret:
5:42
